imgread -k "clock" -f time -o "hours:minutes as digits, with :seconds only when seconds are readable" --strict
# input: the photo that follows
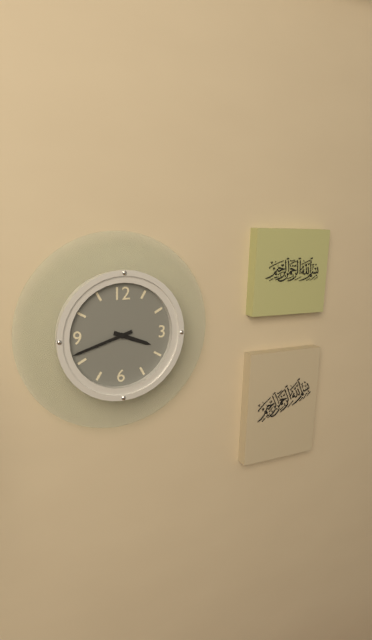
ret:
3:42
